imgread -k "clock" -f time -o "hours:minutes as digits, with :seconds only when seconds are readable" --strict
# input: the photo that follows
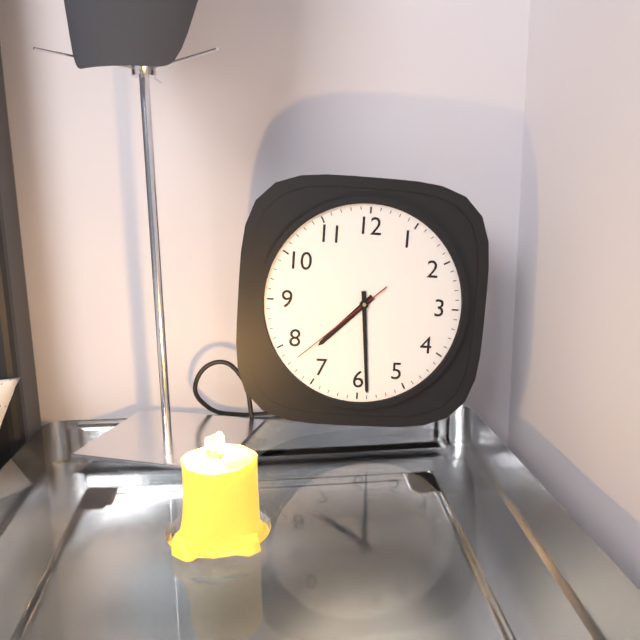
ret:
7:29:38
